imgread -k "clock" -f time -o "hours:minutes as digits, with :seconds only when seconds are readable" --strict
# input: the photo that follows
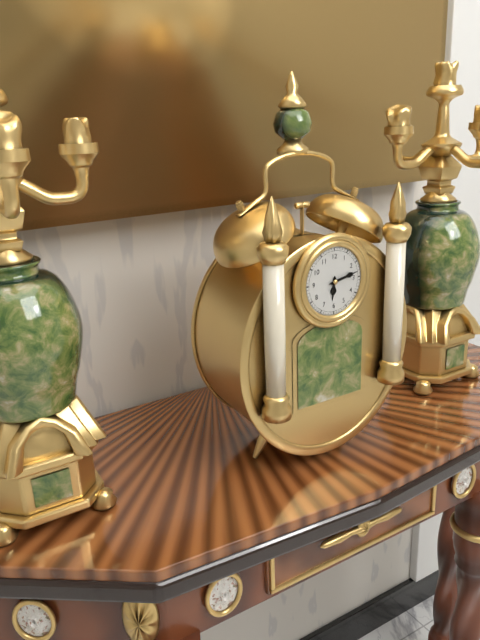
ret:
6:13
